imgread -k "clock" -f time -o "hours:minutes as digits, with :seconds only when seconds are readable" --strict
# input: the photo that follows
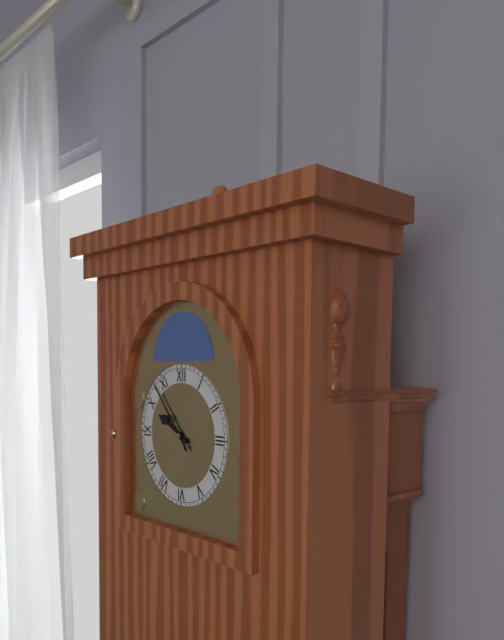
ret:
9:53
